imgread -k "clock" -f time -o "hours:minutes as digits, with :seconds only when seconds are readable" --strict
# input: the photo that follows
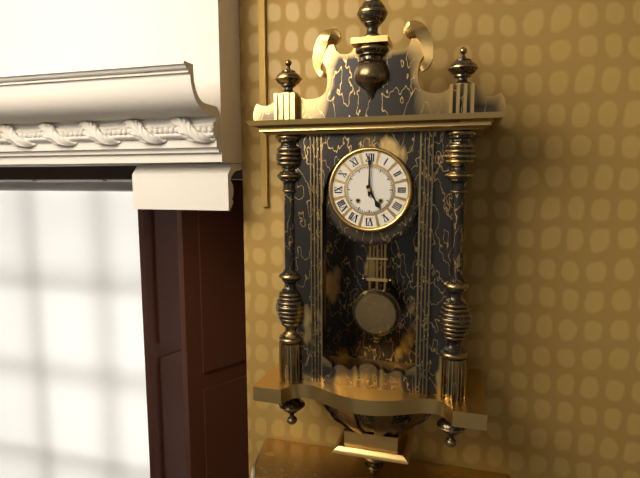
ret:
5:00
